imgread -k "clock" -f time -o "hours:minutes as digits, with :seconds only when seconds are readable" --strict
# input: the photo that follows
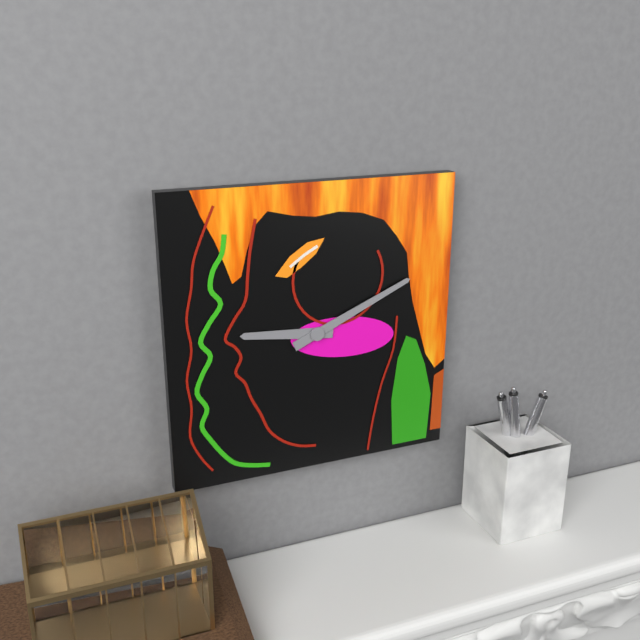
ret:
9:11
